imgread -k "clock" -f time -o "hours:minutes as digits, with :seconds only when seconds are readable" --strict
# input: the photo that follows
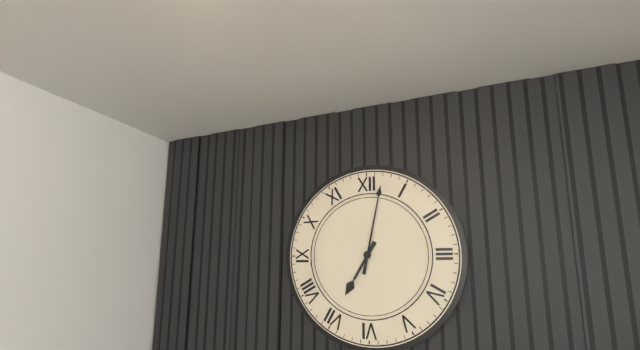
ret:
7:02
